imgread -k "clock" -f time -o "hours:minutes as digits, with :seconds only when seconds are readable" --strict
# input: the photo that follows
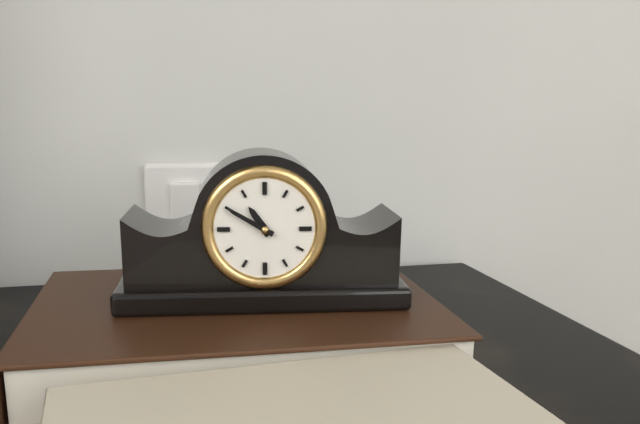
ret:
10:50
